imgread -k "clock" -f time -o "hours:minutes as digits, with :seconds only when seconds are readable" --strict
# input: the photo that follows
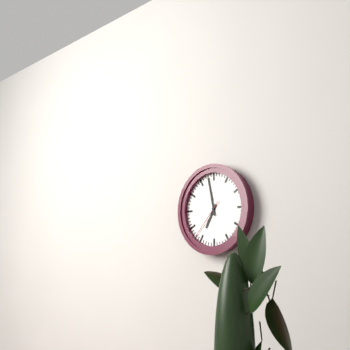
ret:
6:58
